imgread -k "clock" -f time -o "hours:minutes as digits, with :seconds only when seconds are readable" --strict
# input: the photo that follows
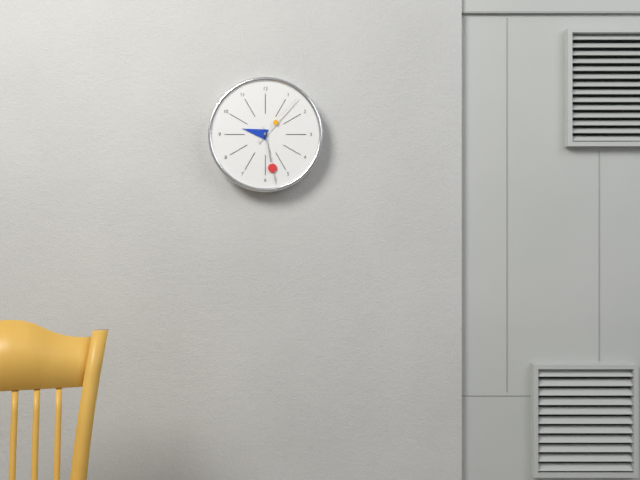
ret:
9:28:07
